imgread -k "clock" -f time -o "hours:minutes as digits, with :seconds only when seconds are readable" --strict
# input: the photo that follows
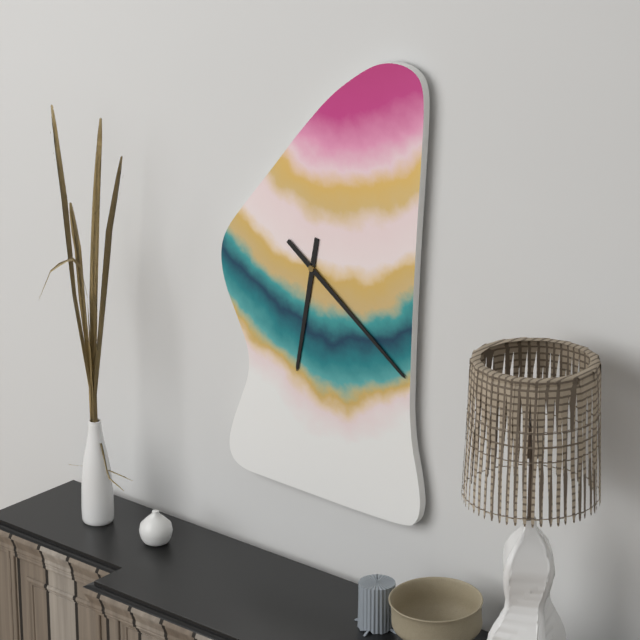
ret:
6:21
